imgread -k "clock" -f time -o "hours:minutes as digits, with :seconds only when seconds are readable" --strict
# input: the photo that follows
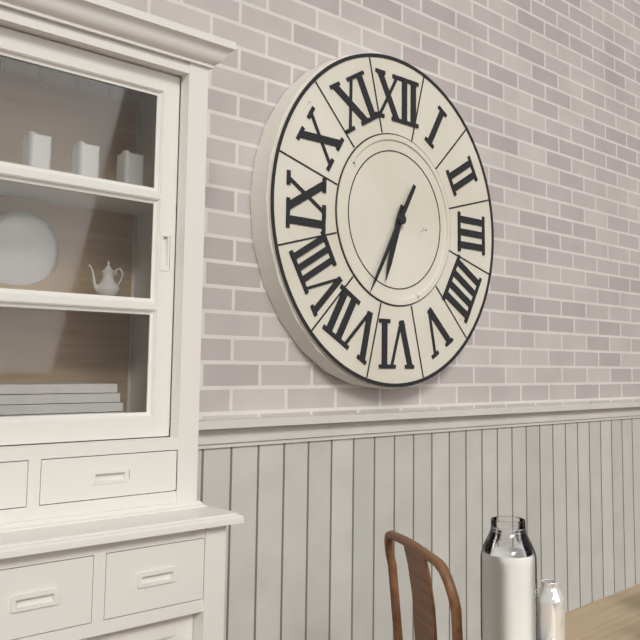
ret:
6:35
